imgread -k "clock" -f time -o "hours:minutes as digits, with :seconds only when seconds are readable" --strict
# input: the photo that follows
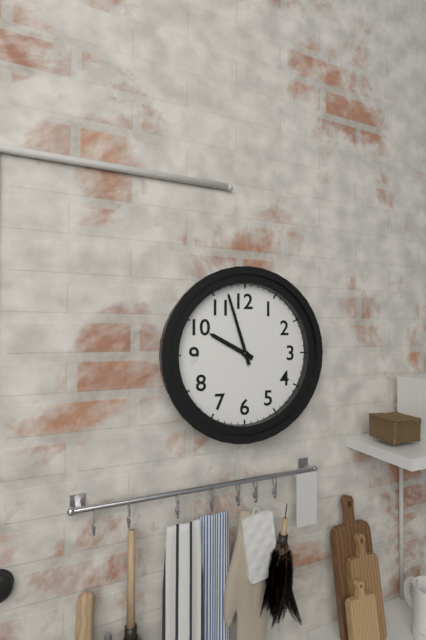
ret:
9:57
